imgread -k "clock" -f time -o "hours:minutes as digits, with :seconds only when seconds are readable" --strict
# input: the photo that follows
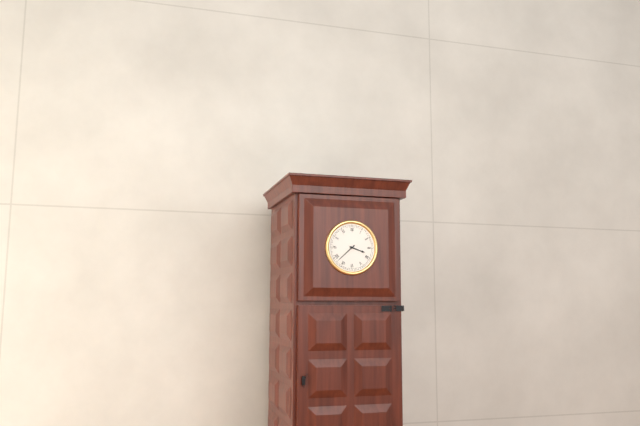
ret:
3:38
